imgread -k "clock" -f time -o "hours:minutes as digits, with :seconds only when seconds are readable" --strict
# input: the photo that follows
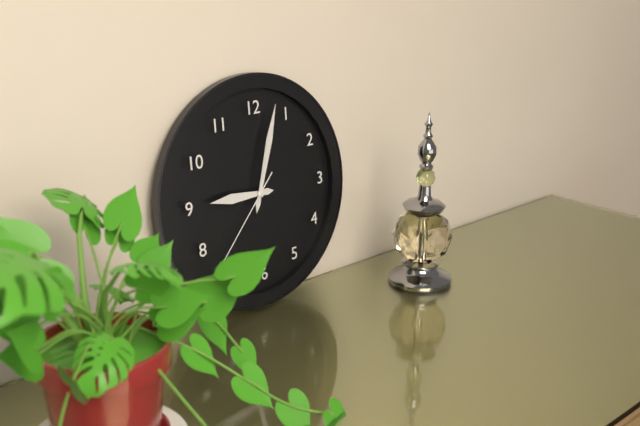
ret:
9:03:37
